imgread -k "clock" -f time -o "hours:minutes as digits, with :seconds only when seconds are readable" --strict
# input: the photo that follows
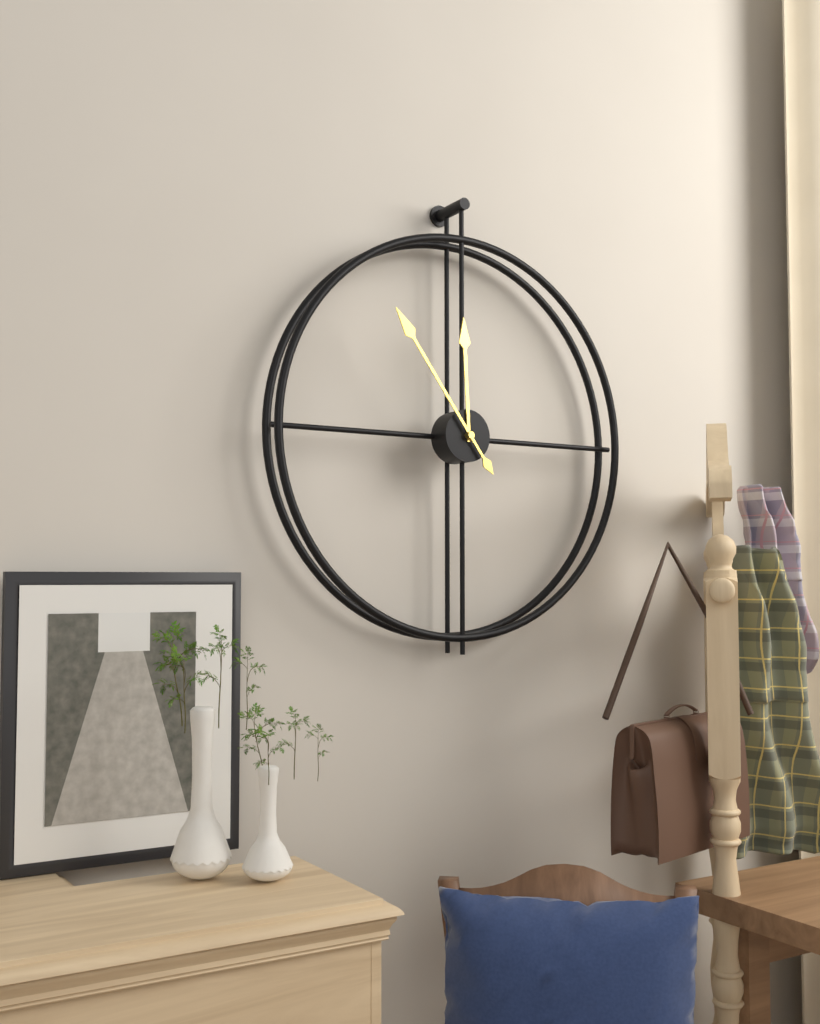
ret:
11:54
